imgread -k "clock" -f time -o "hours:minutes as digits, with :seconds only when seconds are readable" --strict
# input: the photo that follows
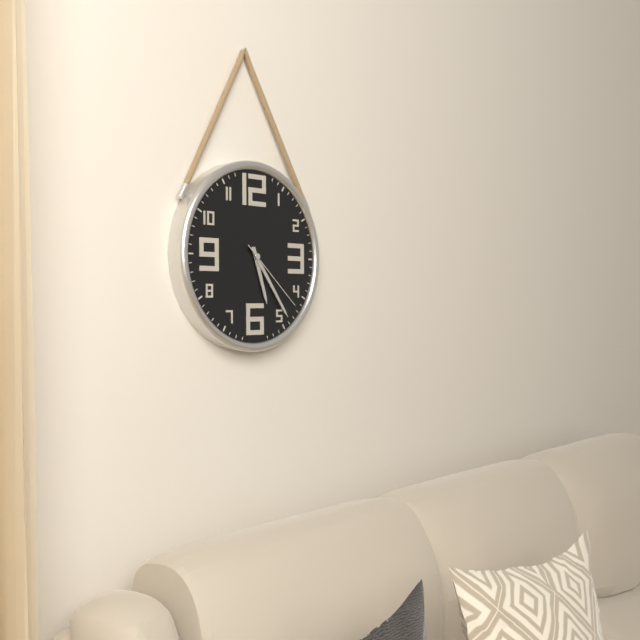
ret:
5:24:22
